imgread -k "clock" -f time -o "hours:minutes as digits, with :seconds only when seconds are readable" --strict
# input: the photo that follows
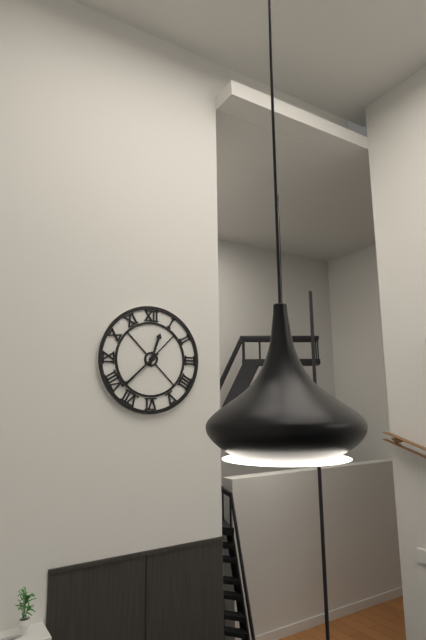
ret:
12:38
